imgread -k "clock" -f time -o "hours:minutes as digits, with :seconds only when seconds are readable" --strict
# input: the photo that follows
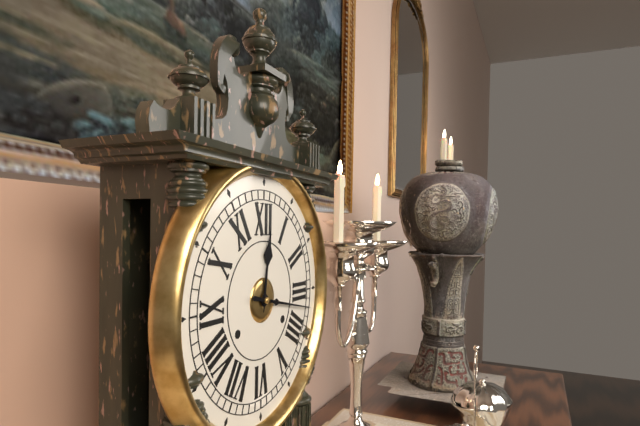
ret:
12:17
